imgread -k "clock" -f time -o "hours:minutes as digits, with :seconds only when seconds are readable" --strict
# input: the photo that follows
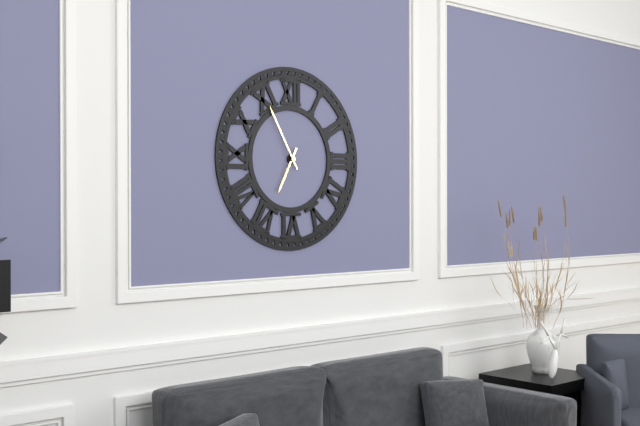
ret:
6:55
